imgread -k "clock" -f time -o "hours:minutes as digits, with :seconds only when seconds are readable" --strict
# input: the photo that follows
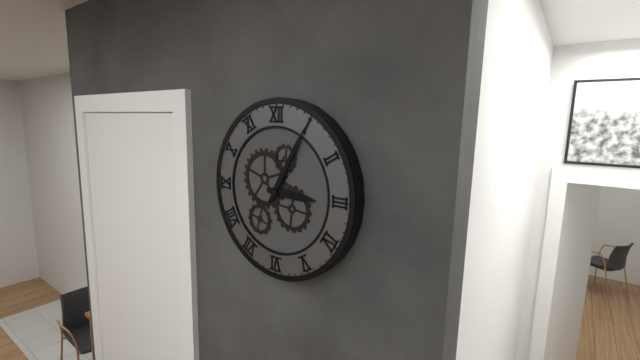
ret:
3:05
